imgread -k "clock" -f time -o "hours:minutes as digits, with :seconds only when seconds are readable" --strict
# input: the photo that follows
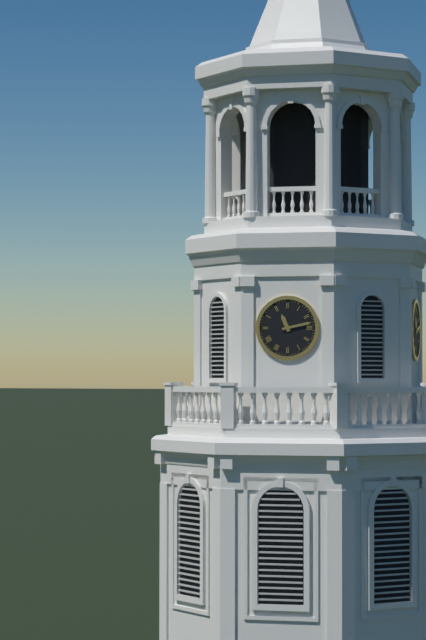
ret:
11:13
